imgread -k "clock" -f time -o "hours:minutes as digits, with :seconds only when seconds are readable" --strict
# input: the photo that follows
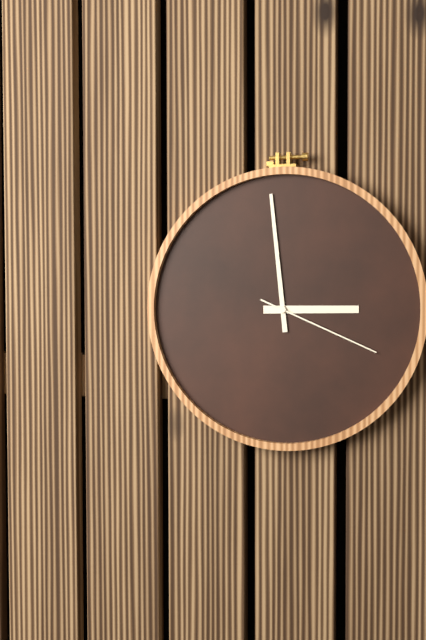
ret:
2:59:19
